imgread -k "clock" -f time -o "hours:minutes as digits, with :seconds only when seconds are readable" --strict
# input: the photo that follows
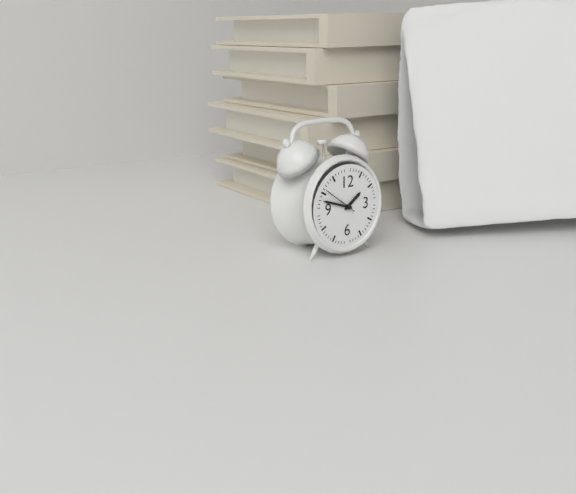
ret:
1:48
